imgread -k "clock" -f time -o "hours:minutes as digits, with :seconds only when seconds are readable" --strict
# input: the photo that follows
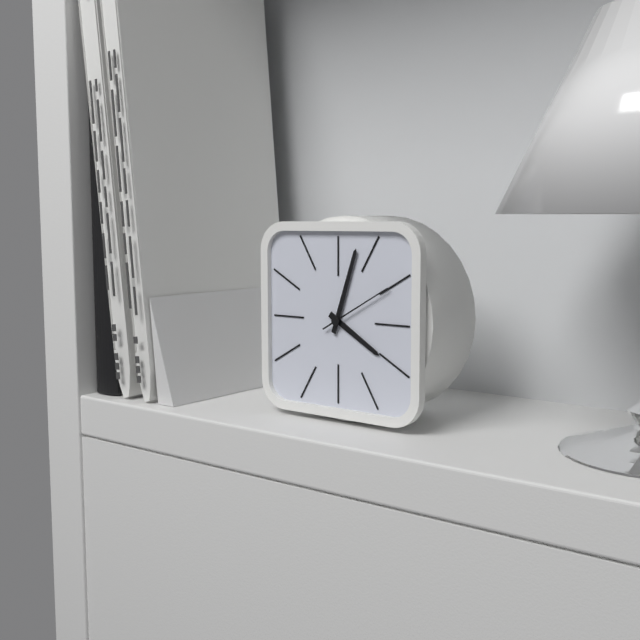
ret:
4:03:10
